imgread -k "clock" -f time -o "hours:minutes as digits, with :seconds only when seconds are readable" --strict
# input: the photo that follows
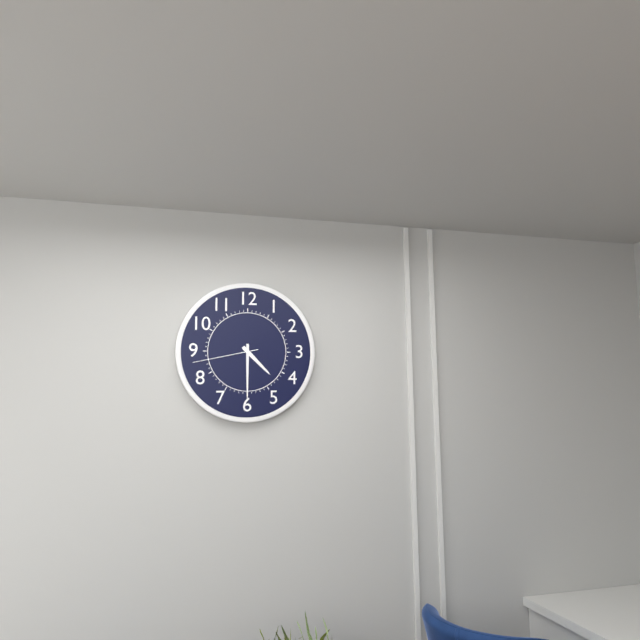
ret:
4:30:43
